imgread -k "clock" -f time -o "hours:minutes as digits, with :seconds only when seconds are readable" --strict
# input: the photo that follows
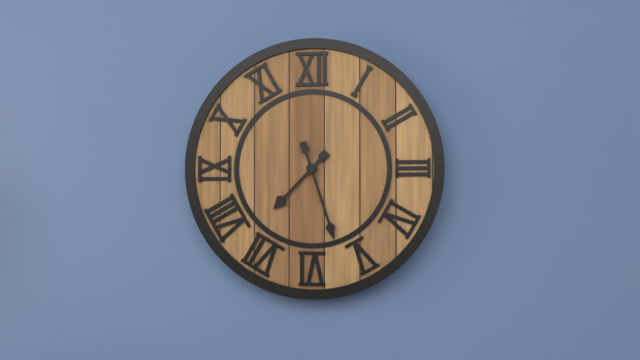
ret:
7:27
